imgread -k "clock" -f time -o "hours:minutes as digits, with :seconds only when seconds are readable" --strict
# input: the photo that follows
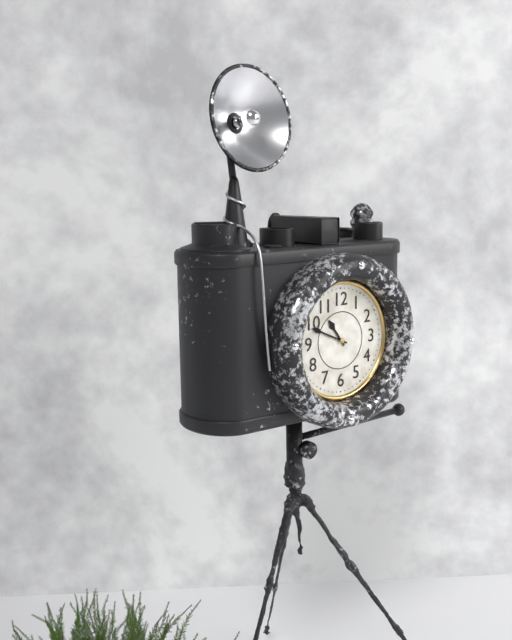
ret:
10:49
